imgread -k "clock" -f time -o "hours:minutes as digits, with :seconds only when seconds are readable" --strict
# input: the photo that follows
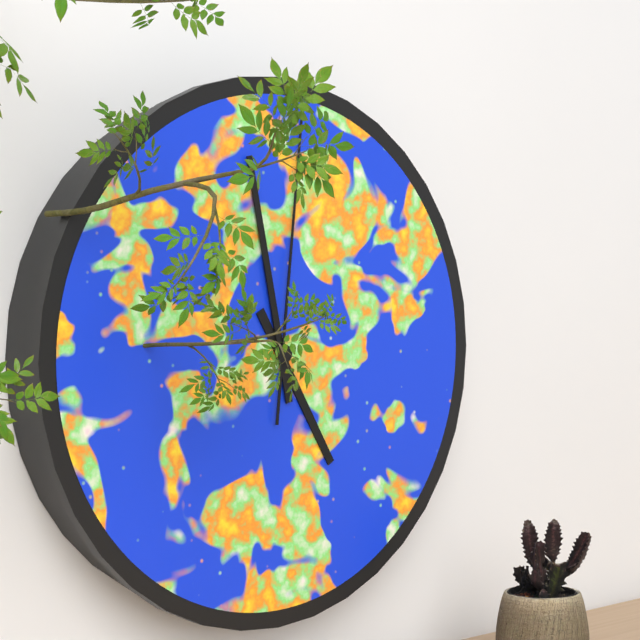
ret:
4:58:01
